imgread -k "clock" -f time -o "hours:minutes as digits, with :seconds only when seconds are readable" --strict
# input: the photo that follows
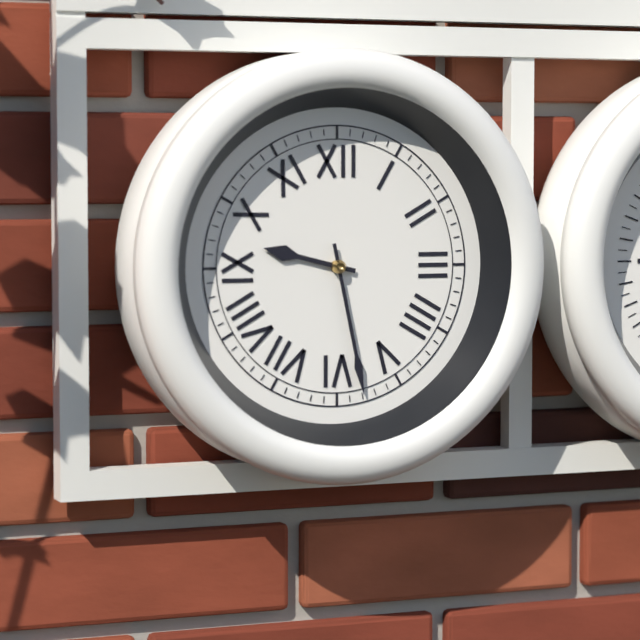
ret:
9:28
